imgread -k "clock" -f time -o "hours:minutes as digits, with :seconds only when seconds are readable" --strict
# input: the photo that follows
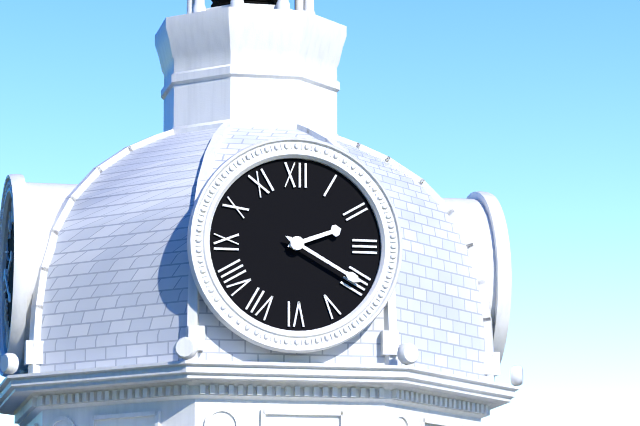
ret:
2:20
